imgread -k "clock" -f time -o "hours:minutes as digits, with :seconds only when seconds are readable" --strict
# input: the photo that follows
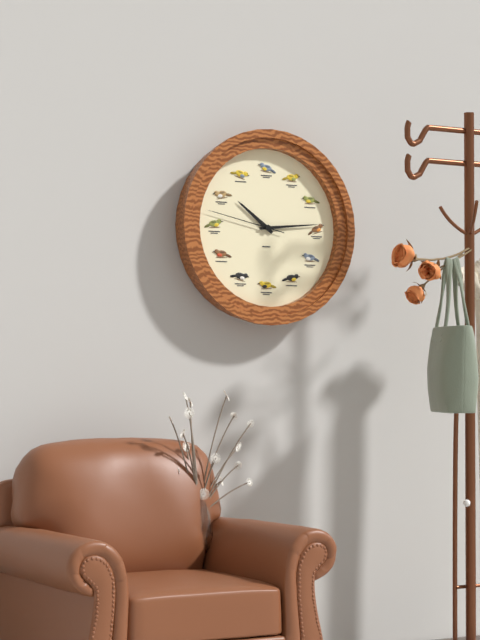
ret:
10:14:47
